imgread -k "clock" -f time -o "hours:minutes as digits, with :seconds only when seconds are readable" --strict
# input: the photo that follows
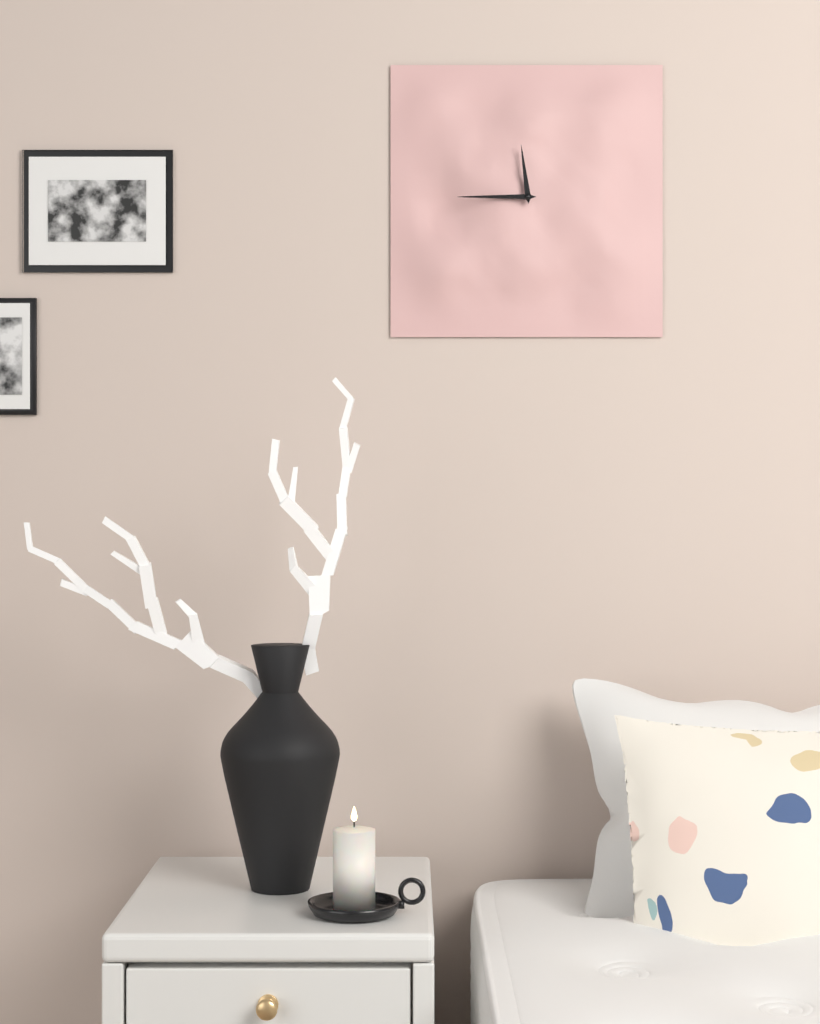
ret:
11:45
